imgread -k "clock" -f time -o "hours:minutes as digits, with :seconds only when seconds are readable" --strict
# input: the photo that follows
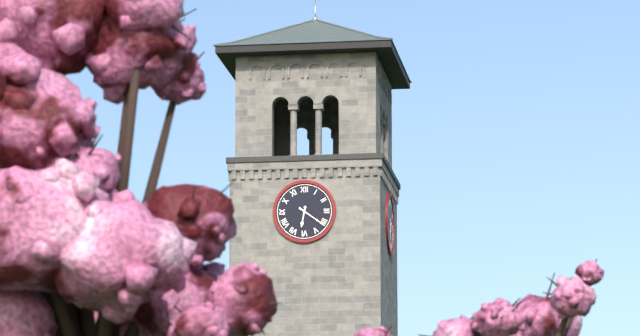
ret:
6:21
